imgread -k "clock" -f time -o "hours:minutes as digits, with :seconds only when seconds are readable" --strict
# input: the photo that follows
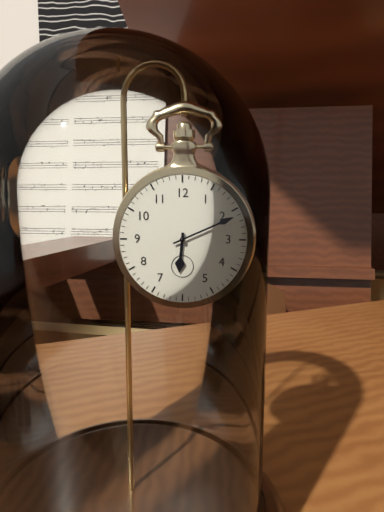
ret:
6:11
